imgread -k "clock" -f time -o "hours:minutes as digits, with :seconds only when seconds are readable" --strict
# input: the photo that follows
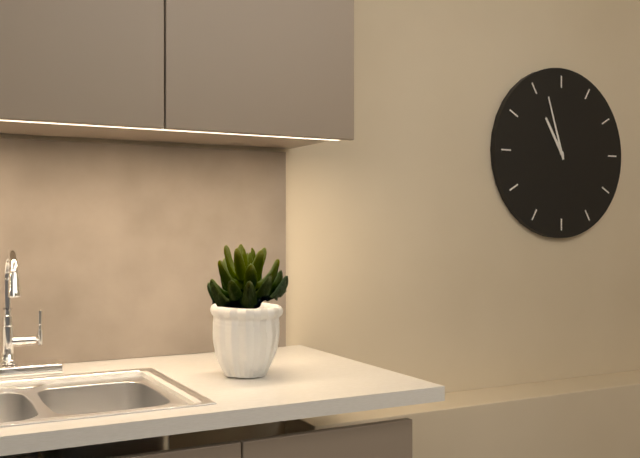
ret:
10:57
